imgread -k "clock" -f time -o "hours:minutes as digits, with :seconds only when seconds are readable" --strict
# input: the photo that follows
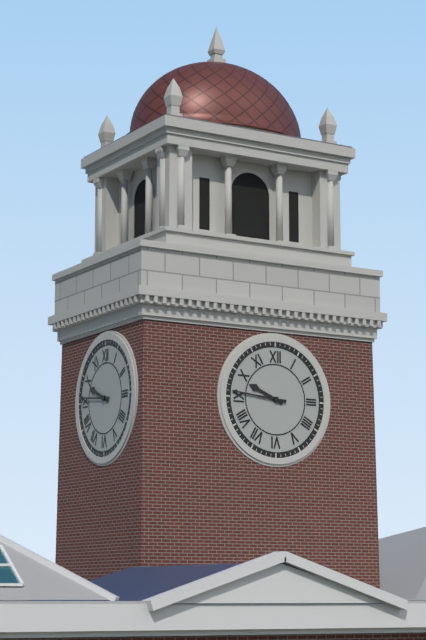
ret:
9:46
